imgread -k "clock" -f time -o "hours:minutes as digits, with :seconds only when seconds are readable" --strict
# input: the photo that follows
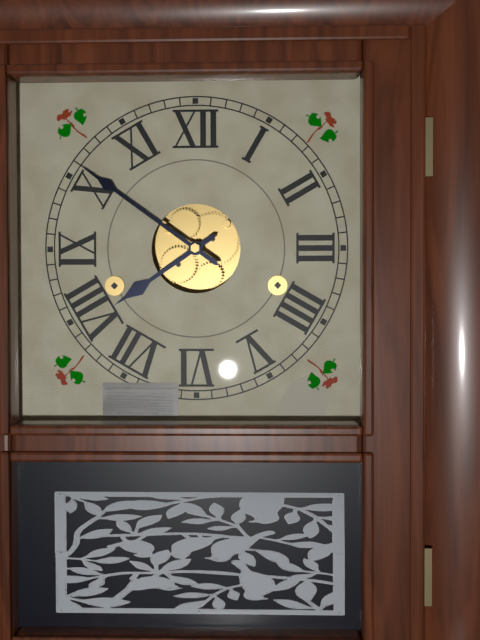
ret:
7:51
